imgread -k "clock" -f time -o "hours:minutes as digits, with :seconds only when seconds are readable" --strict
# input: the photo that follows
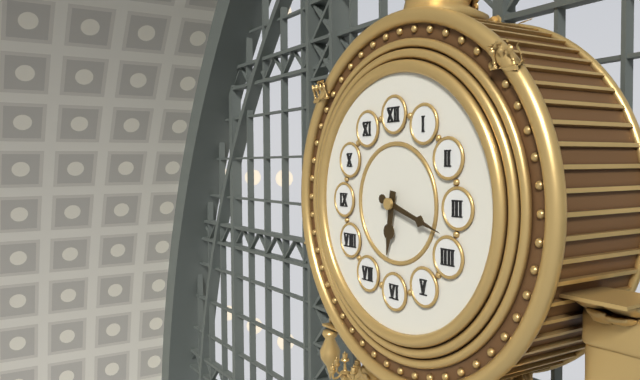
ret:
6:18
